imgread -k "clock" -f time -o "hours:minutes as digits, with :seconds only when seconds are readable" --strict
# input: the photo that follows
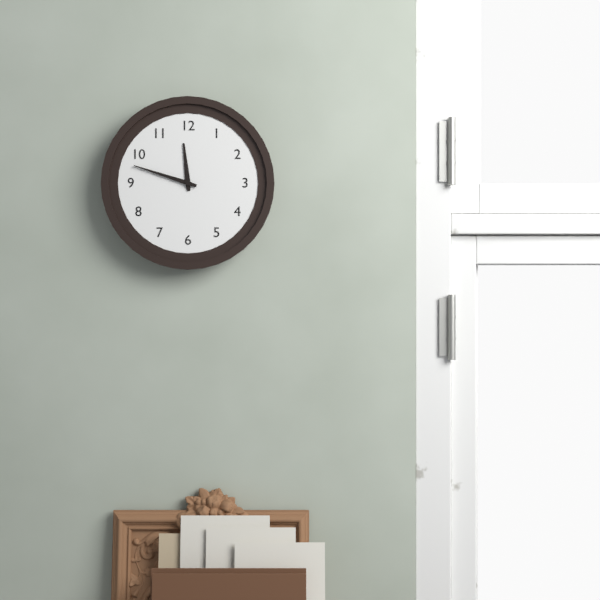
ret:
11:48
